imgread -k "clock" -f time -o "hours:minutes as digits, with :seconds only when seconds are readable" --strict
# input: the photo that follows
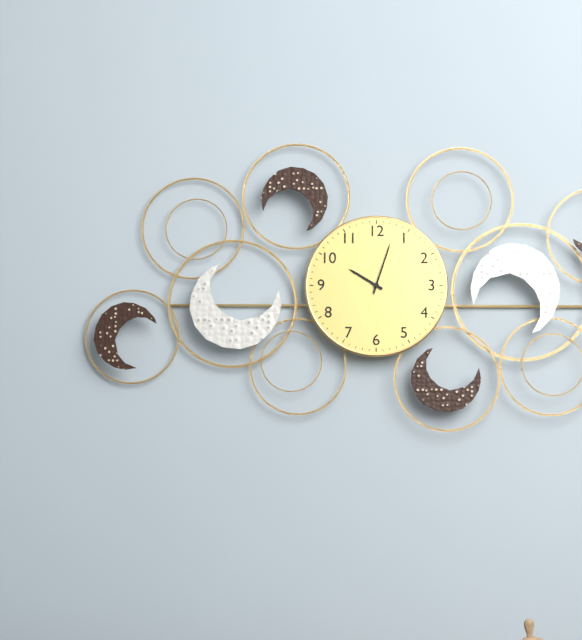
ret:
10:03
